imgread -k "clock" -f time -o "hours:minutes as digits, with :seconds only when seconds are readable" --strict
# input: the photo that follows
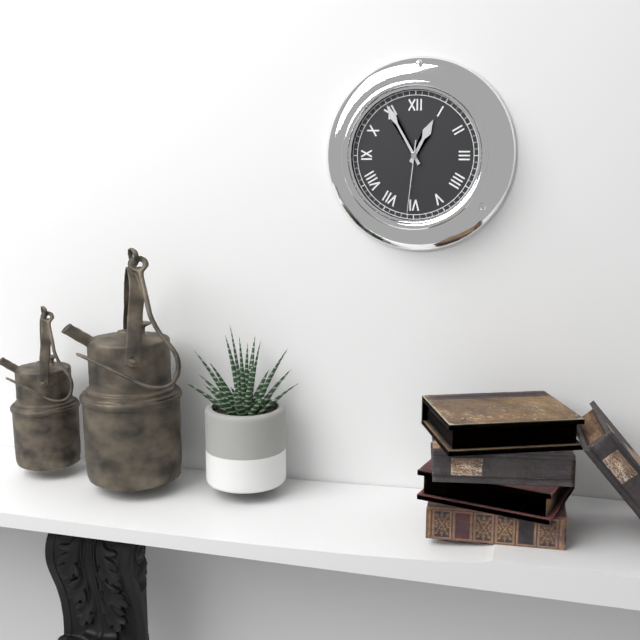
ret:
12:55:31
